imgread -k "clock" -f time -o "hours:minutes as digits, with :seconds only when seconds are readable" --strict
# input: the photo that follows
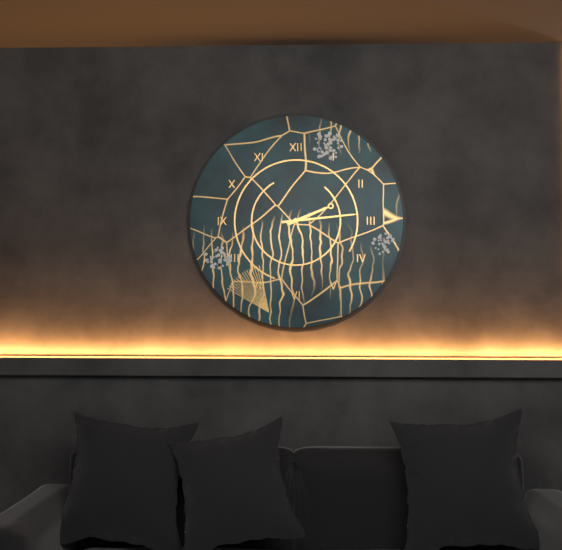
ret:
2:14
